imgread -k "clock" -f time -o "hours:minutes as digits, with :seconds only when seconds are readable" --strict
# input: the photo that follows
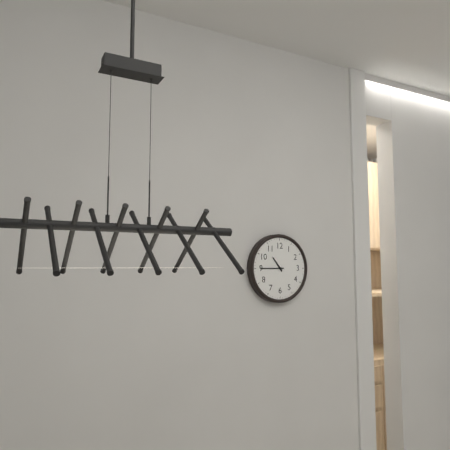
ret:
10:45
